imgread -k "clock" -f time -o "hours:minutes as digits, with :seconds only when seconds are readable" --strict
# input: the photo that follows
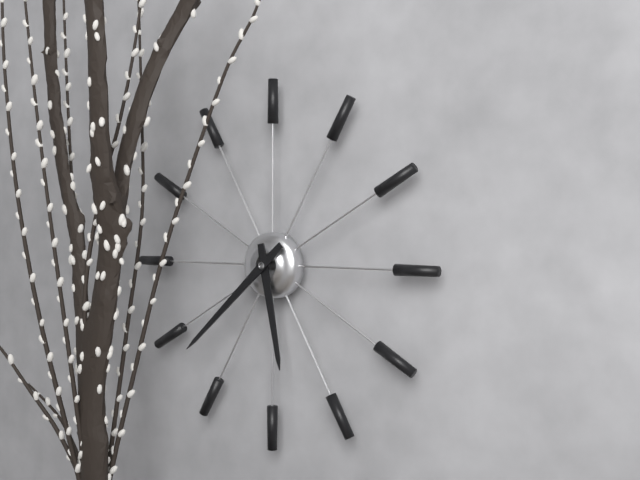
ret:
5:38
